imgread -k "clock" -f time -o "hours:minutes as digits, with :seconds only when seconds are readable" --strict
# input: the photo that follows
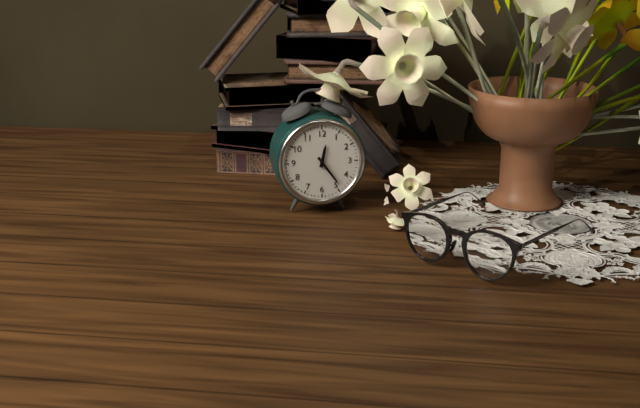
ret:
12:24
